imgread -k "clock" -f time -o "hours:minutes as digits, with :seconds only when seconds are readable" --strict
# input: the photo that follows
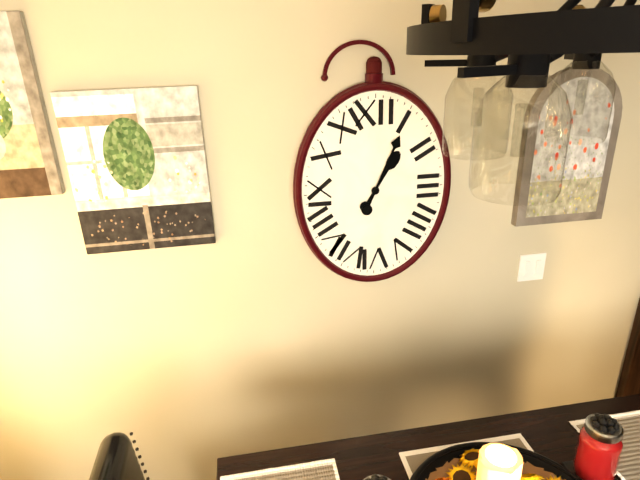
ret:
1:04
